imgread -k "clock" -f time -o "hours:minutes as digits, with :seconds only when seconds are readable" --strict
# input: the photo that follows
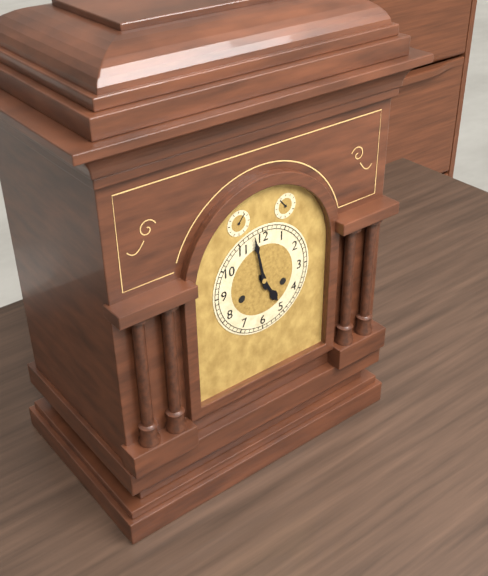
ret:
4:58
